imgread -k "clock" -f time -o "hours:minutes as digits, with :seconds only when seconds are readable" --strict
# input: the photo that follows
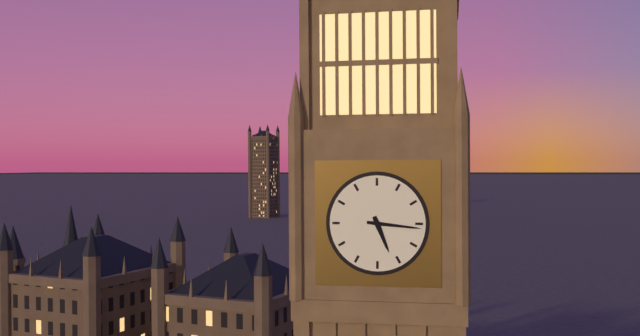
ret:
5:16
